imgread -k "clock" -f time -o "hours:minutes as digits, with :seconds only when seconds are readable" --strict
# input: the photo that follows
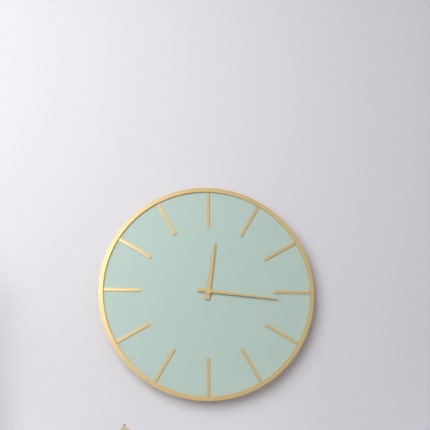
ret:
12:16
